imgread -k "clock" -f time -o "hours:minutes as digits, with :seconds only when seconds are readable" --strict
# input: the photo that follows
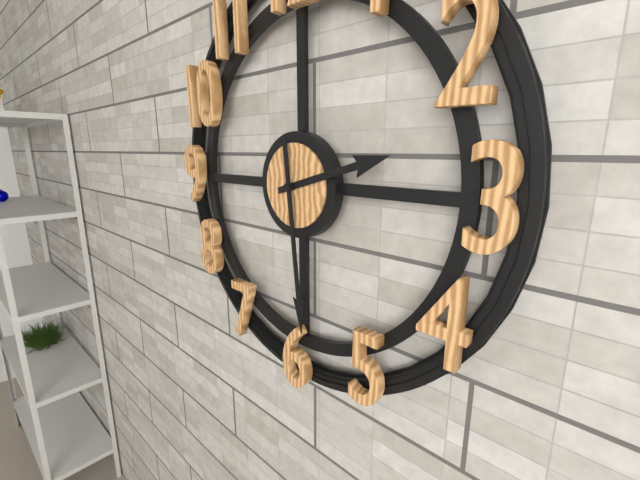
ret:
2:29
